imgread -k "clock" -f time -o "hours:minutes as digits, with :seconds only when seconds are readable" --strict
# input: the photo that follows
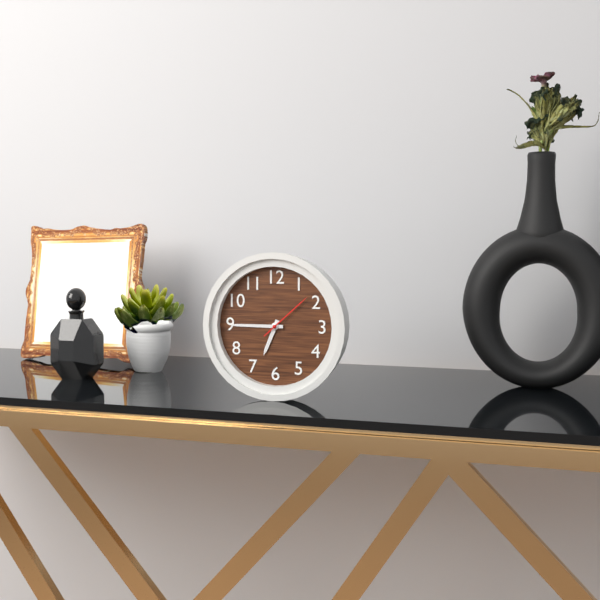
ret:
6:45:08
